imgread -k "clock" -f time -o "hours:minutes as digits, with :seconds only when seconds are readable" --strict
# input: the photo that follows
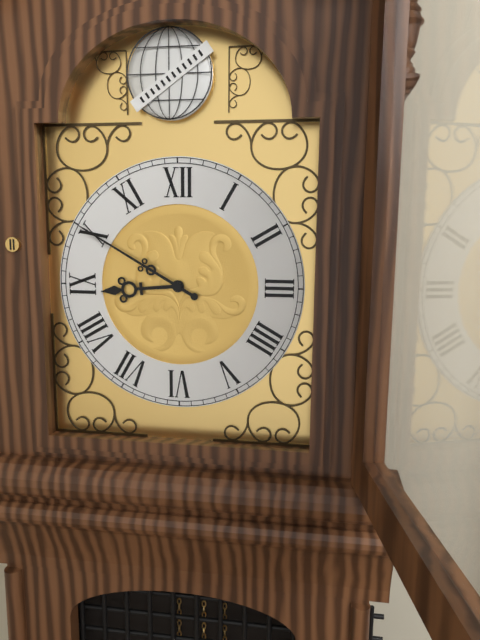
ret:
8:50
